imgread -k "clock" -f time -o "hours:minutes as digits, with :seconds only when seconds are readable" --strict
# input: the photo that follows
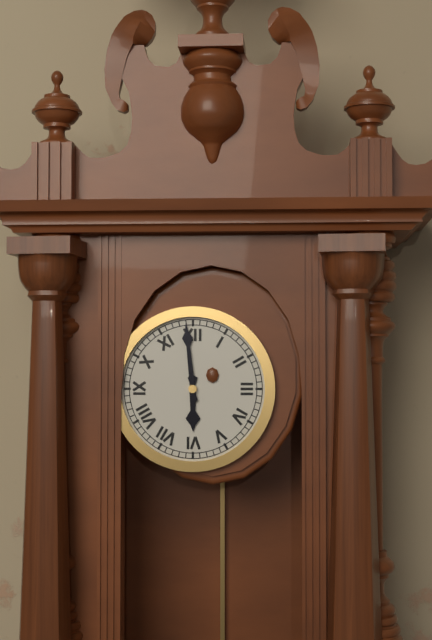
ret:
5:59
